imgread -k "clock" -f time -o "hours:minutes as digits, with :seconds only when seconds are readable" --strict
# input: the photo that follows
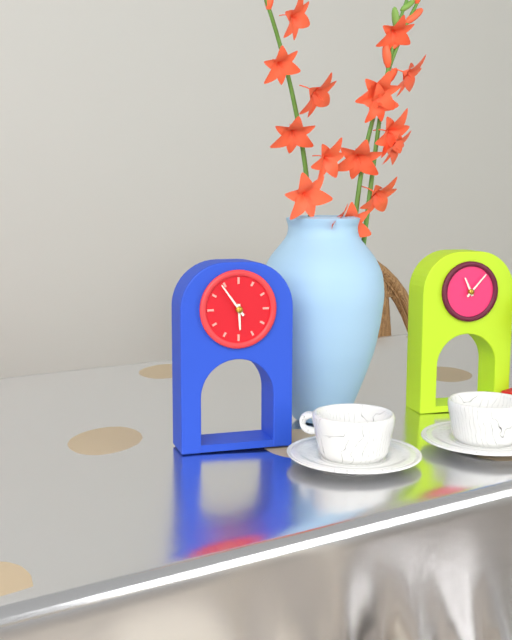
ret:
5:54
